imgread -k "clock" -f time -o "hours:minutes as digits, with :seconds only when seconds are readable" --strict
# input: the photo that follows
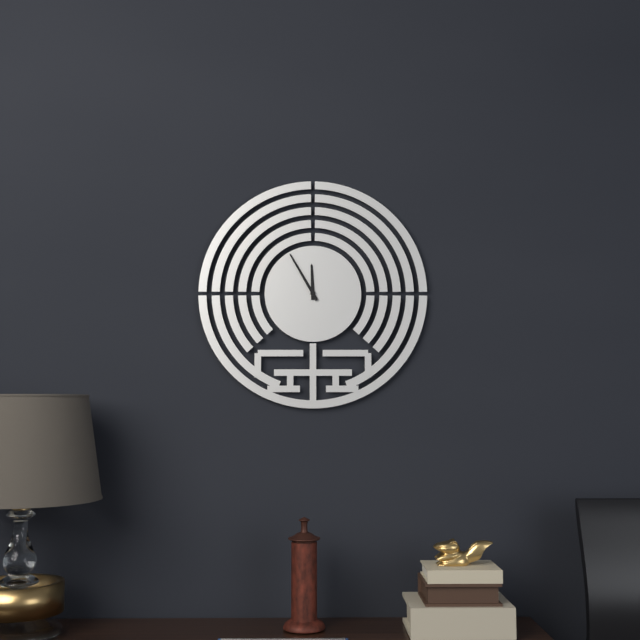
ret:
11:55
